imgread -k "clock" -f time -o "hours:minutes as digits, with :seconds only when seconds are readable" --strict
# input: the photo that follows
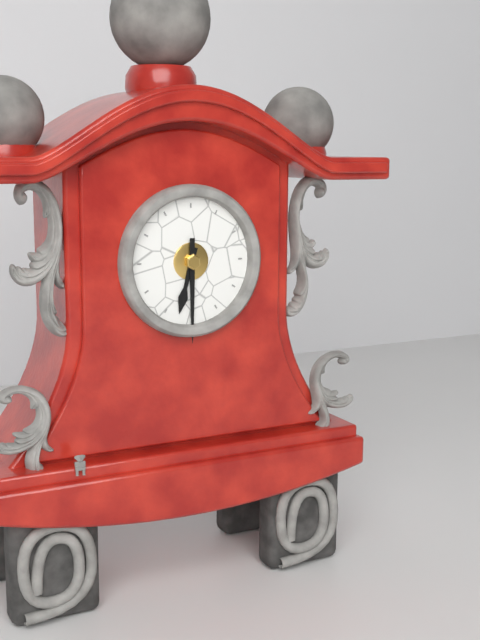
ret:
6:30
